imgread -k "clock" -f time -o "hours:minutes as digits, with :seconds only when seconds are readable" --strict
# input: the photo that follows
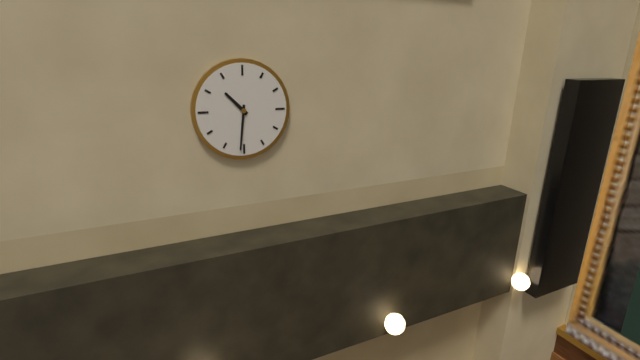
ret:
10:31
